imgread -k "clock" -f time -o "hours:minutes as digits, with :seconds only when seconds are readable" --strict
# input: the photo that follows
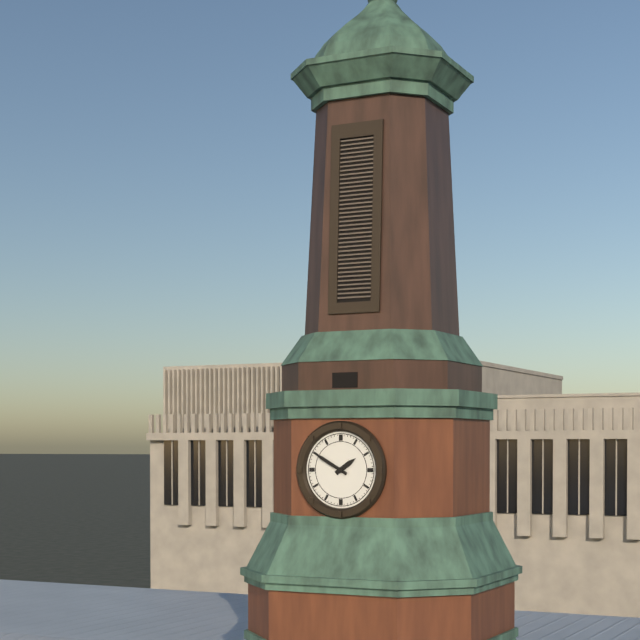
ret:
1:50
